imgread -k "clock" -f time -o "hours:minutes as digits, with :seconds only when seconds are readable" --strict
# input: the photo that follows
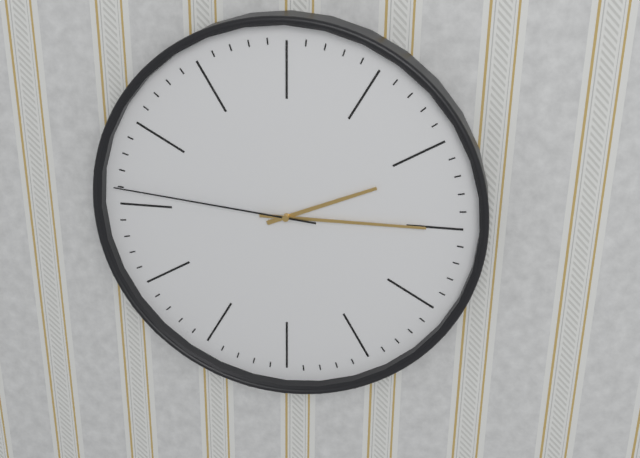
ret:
2:15:46
